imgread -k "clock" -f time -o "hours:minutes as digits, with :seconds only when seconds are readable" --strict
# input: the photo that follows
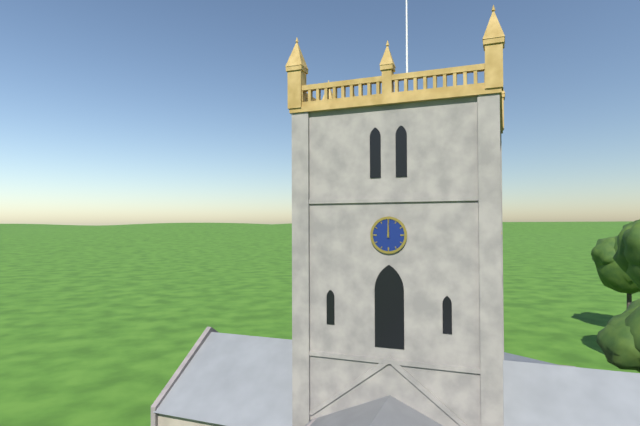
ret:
12:00
